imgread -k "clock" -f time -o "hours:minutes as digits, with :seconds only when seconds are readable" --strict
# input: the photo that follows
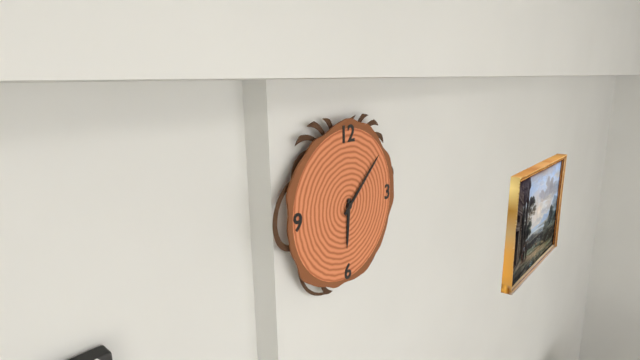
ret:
6:08
